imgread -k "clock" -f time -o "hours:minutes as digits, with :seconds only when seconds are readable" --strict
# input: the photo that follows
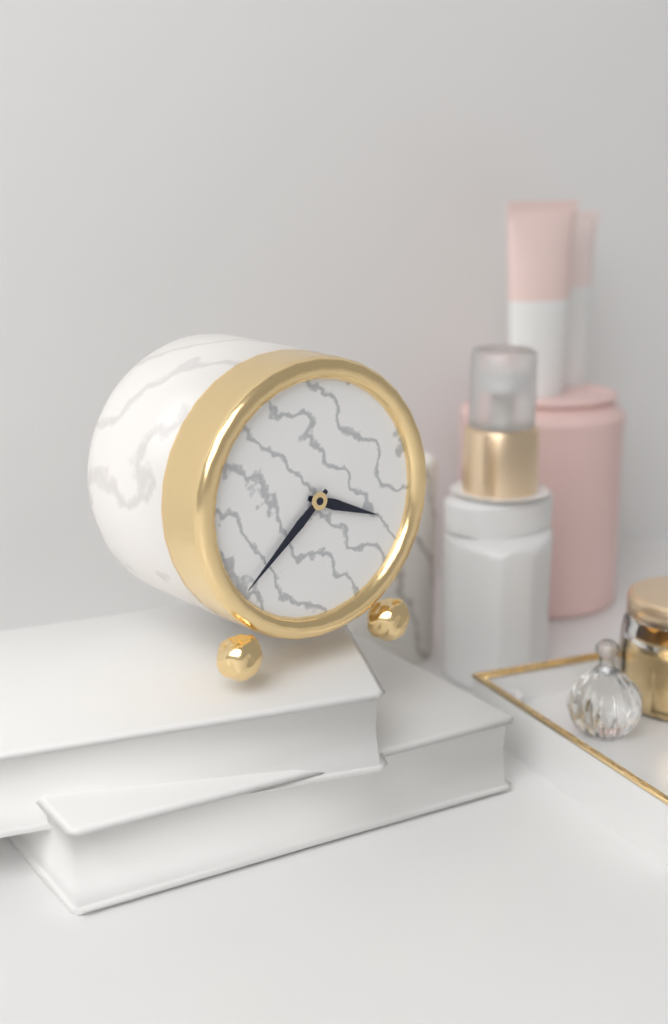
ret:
3:38
